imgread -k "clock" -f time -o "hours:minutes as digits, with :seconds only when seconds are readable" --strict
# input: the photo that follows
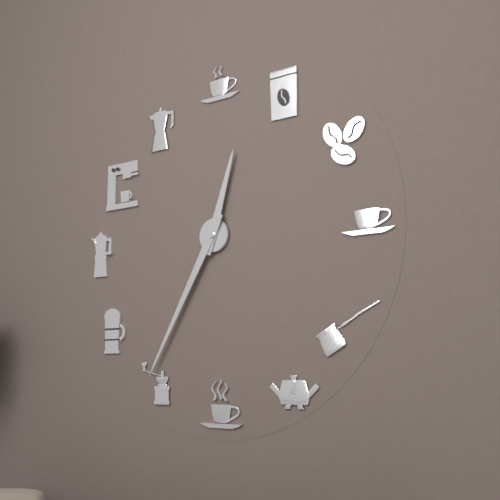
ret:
12:35
